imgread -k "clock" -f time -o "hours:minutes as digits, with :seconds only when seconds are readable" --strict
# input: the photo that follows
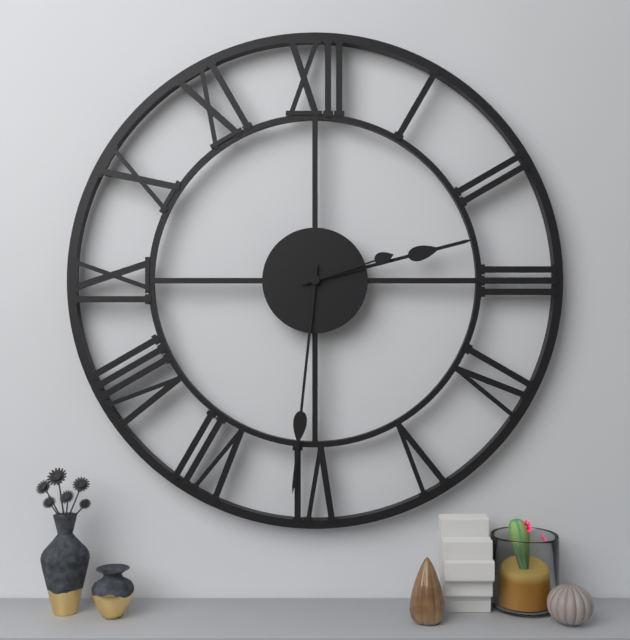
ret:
2:31:12
